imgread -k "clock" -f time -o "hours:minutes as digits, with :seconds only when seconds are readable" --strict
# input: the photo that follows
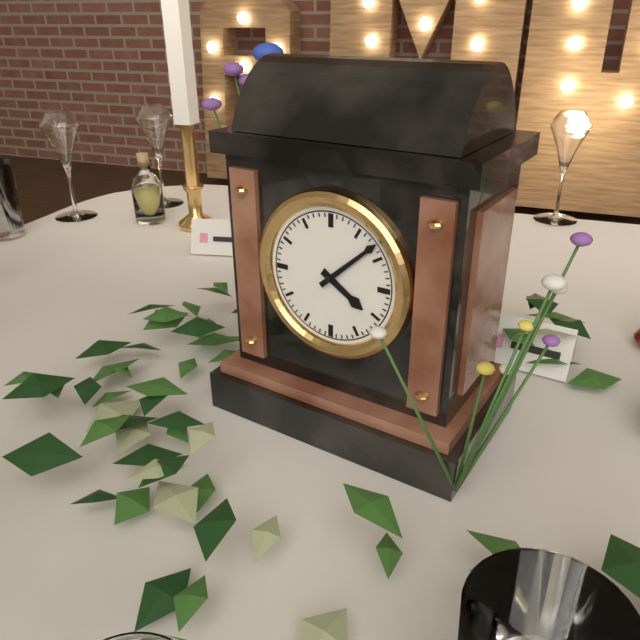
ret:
4:08
